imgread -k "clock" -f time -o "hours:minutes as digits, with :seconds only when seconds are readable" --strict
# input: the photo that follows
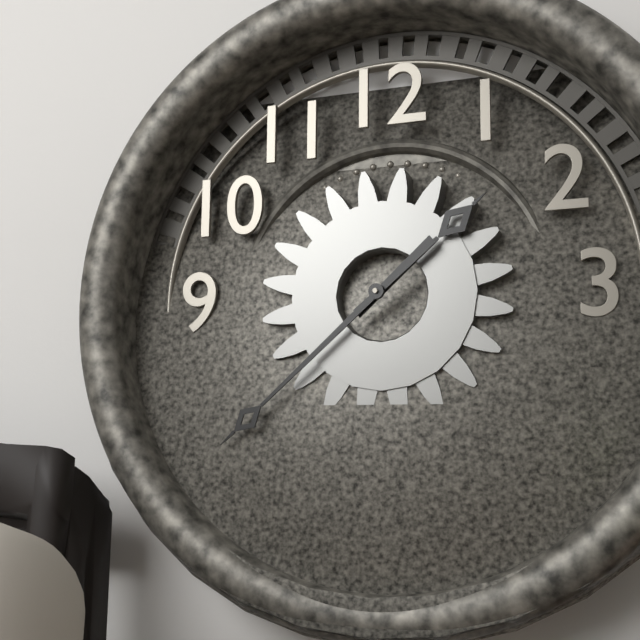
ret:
1:38
